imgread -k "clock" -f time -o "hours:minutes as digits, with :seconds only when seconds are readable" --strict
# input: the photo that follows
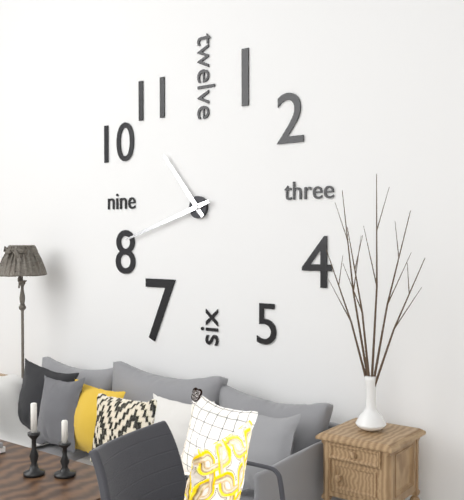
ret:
10:42
